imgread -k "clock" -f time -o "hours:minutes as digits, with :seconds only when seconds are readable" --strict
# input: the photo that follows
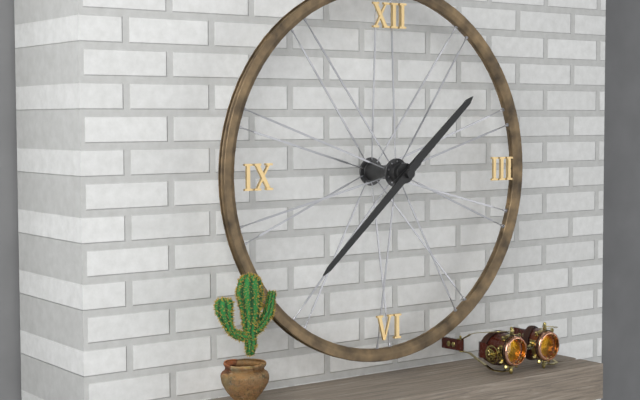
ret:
1:38
